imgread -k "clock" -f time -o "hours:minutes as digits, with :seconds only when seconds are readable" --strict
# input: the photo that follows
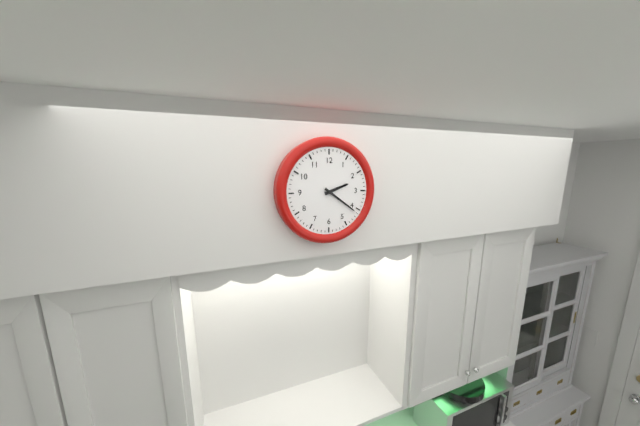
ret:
2:21
